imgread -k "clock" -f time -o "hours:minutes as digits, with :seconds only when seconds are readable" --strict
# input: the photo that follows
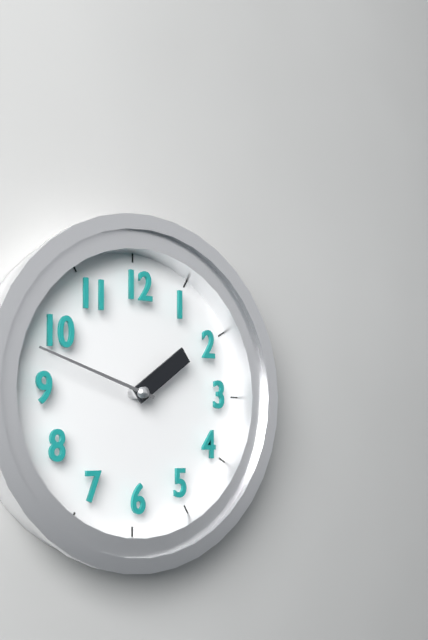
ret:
1:48
